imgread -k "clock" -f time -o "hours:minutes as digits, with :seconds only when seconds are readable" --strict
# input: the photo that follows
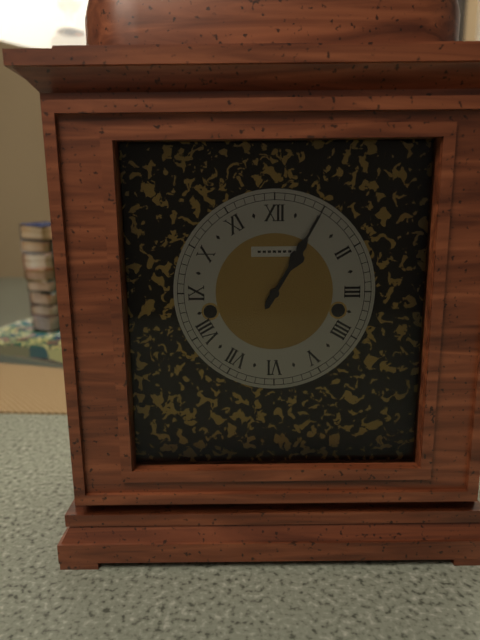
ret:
1:05
